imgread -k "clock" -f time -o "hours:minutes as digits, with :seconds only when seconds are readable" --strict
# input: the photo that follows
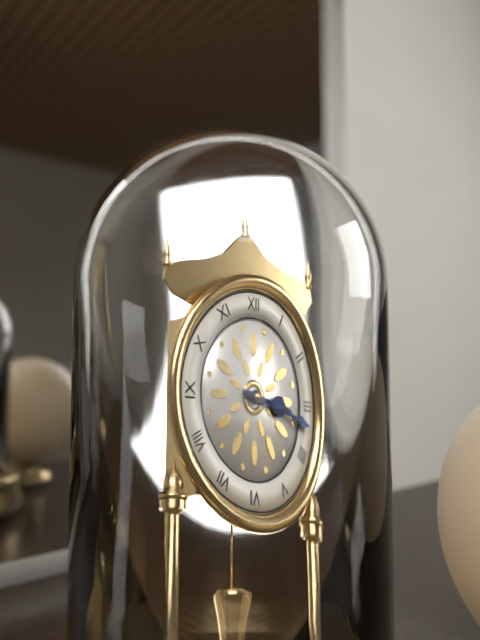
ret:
3:17
